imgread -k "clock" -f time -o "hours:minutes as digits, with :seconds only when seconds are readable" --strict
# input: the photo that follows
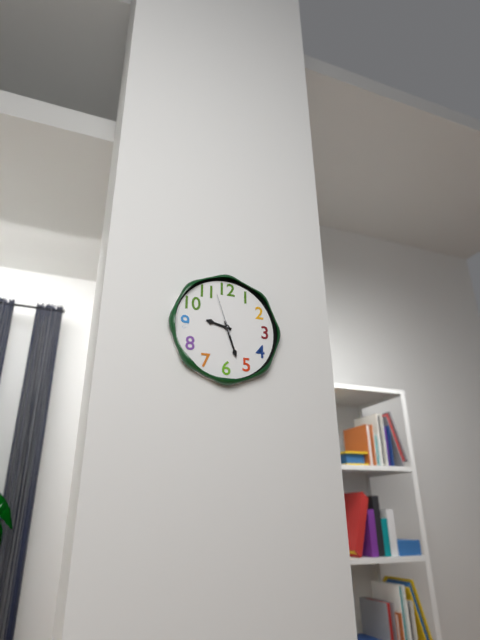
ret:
9:27
